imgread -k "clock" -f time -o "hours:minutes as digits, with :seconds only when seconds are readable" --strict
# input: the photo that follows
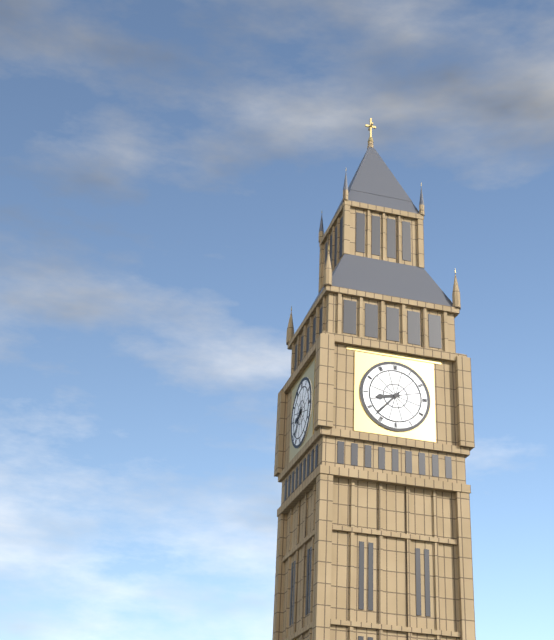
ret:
8:37
